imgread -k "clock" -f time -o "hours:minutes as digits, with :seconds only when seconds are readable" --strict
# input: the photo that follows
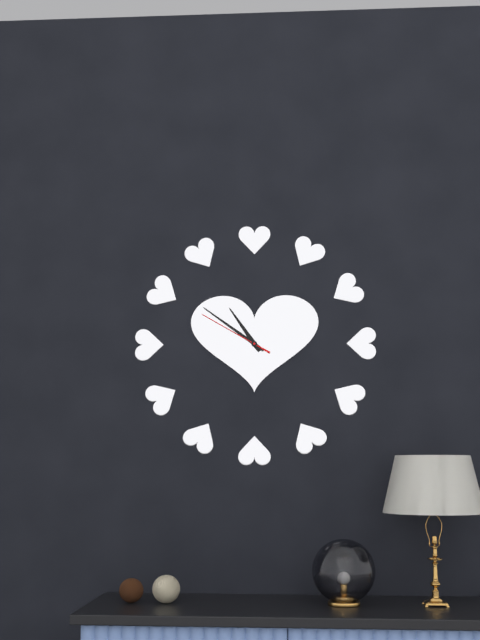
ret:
10:51:50
